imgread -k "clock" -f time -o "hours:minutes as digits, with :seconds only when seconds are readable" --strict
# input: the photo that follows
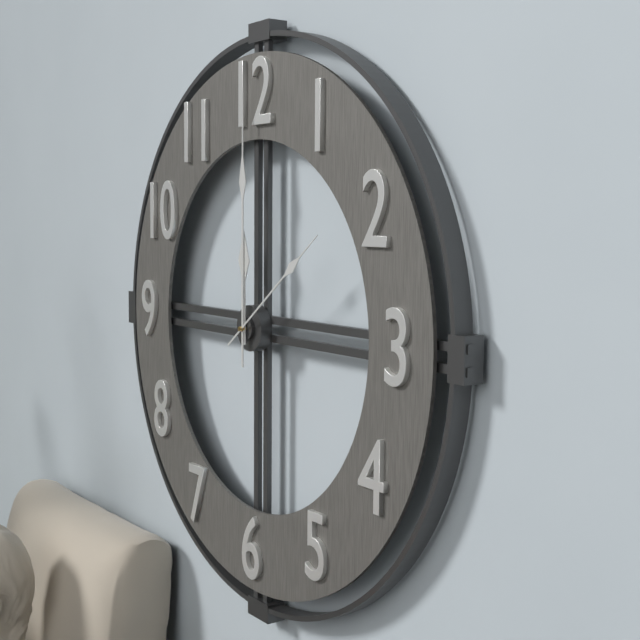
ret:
12:00:09
